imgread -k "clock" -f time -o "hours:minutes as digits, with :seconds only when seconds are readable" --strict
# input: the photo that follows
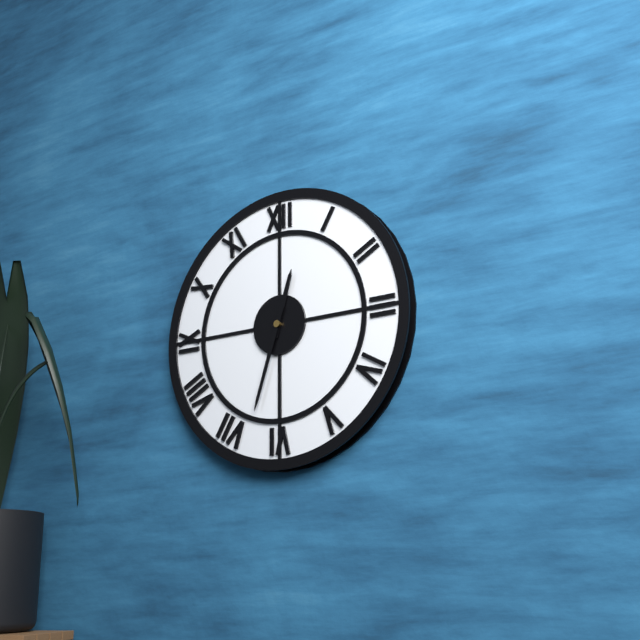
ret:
12:33
